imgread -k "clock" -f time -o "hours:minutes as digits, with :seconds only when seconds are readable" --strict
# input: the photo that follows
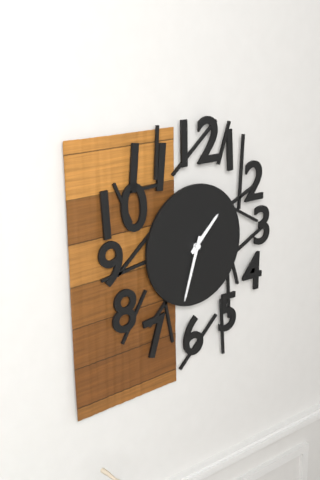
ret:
1:33
